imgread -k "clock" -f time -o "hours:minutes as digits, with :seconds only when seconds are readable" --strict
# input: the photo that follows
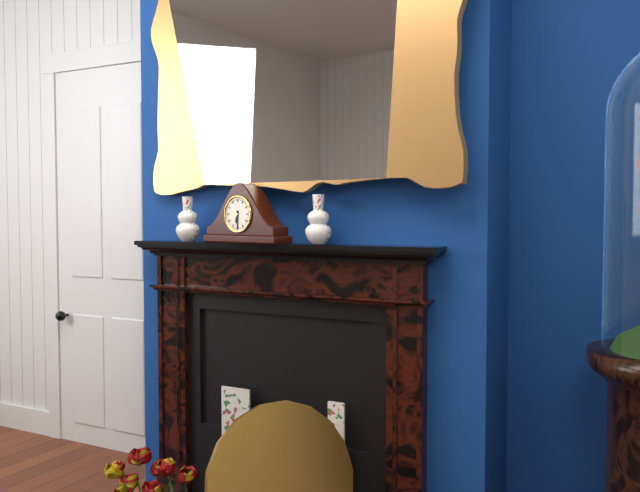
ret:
6:30
